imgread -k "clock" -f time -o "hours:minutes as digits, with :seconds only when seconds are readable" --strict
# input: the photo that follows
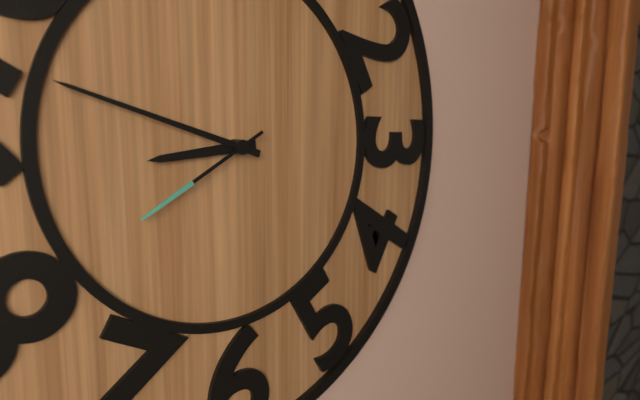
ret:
8:48:40
